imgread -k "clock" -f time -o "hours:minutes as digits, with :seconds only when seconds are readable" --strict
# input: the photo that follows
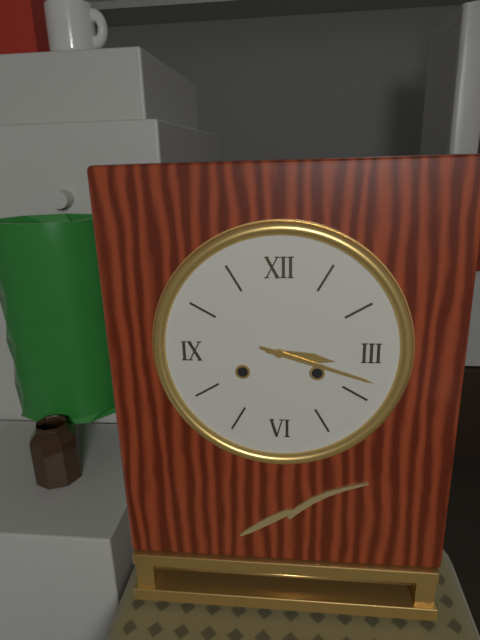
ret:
3:18
